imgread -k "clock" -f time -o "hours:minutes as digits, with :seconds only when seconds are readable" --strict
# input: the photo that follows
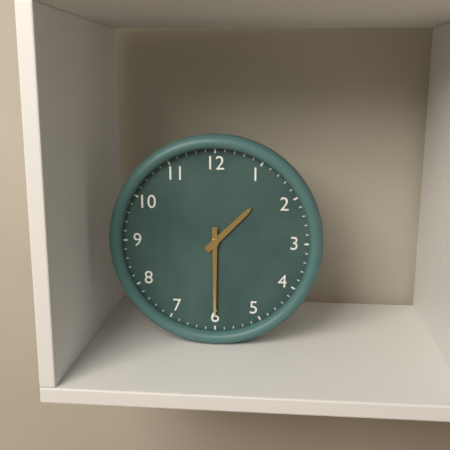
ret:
1:30
